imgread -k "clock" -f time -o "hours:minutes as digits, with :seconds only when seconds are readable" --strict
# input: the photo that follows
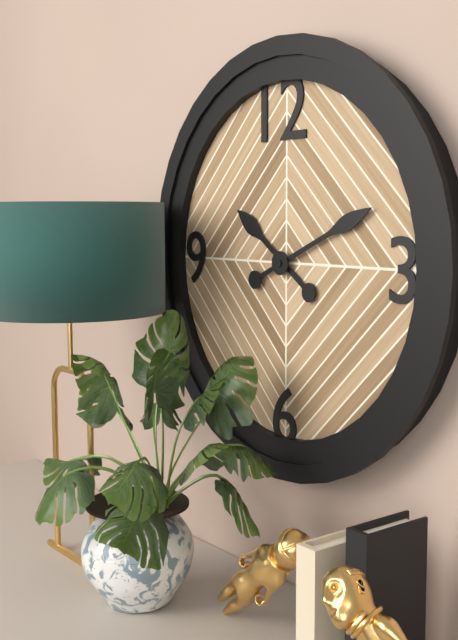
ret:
10:11
